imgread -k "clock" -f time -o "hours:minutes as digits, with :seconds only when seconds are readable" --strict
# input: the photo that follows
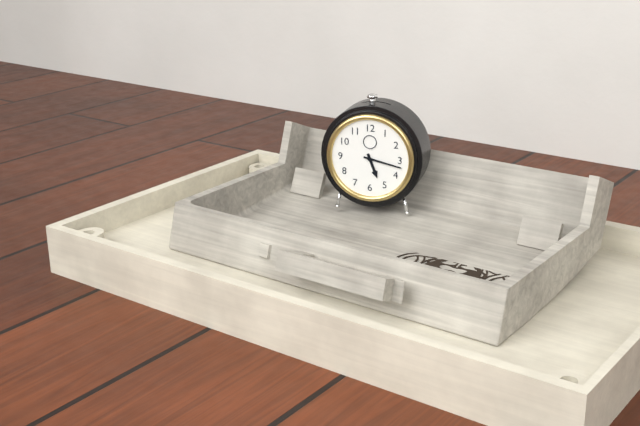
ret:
5:17
